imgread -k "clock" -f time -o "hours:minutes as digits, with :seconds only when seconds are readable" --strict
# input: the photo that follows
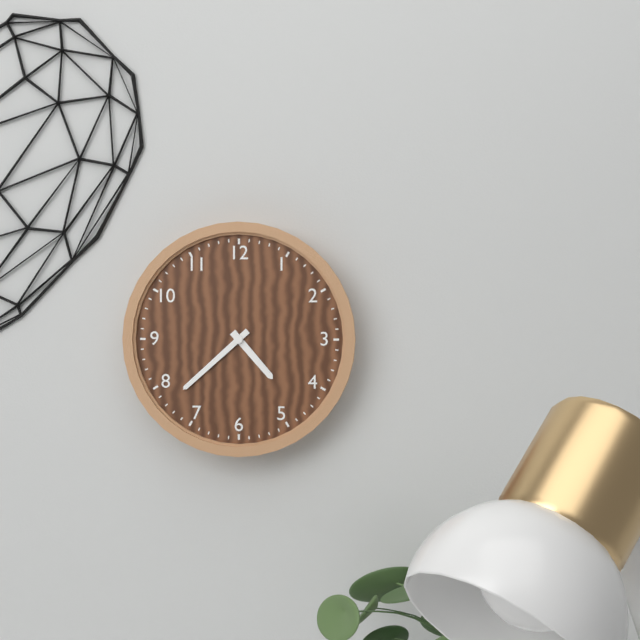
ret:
4:38
